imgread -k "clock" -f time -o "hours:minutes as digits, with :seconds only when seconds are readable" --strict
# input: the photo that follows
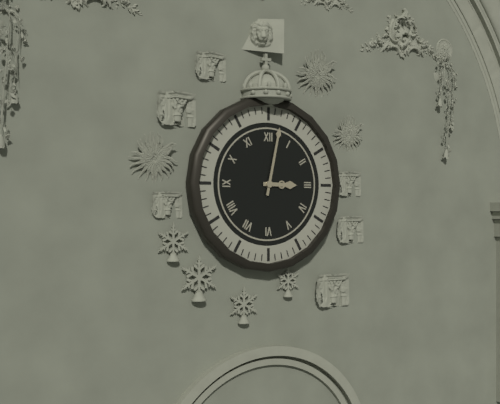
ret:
3:02
